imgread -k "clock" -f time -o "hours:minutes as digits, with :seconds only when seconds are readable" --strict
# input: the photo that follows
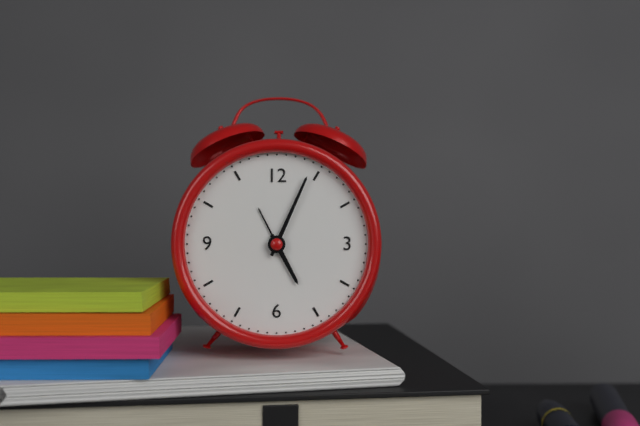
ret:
5:04
